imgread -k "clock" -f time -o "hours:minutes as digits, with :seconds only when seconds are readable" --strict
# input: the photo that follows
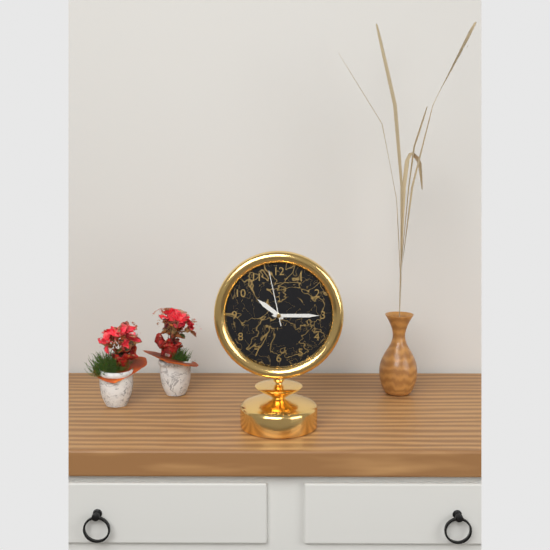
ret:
10:15:58
